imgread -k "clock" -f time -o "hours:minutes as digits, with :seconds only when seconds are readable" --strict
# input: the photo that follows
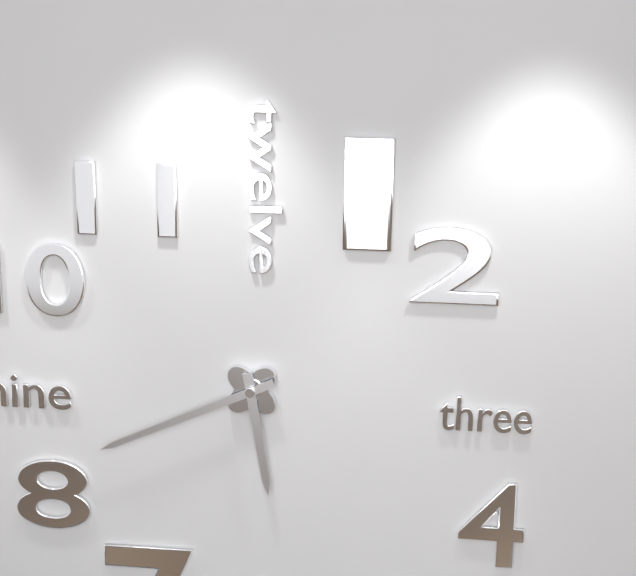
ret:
5:41
